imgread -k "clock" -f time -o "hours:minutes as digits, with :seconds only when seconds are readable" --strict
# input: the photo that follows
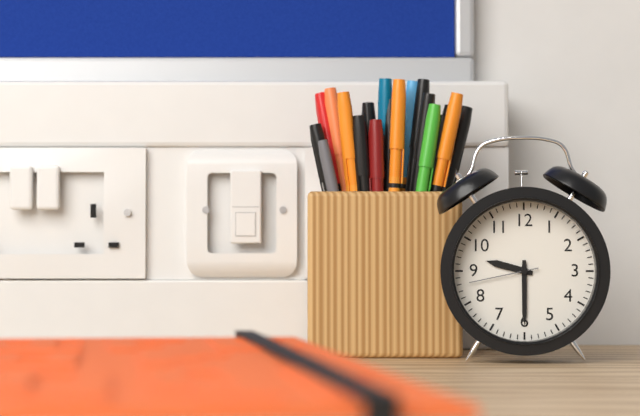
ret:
9:30:43
